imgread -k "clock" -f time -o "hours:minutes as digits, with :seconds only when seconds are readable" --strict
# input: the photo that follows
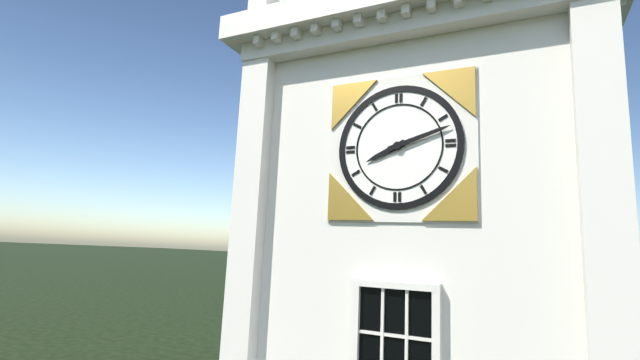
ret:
8:12
